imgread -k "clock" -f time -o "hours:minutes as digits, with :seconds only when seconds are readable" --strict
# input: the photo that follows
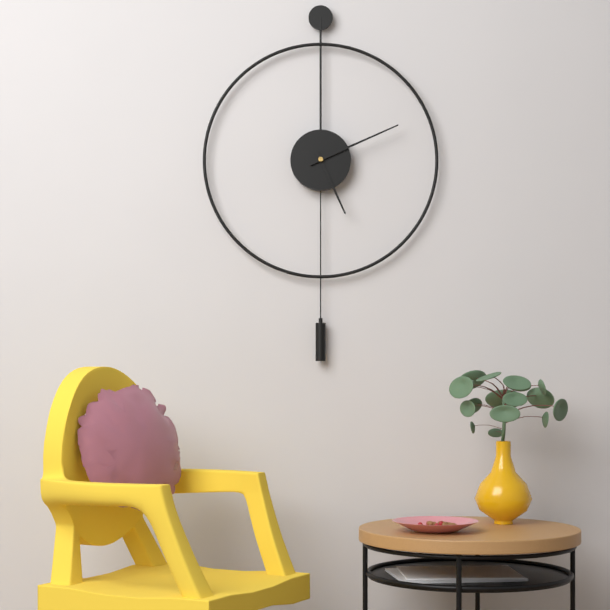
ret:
5:11
